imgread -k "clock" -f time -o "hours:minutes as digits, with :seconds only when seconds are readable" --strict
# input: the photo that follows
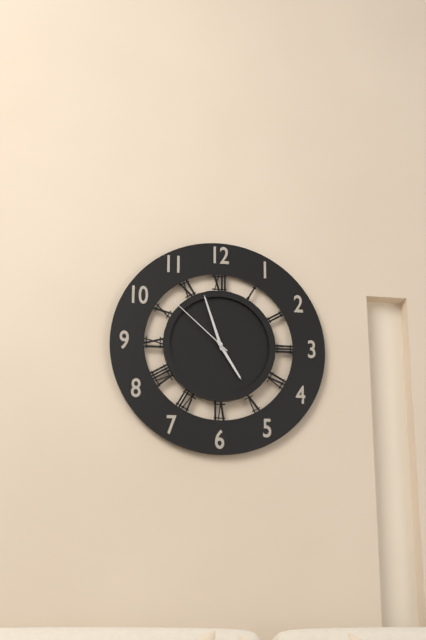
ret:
4:57:52
